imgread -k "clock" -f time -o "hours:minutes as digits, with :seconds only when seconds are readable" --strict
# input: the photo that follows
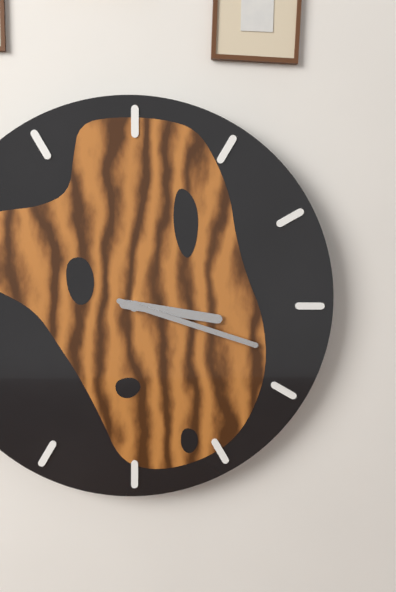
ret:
3:18
